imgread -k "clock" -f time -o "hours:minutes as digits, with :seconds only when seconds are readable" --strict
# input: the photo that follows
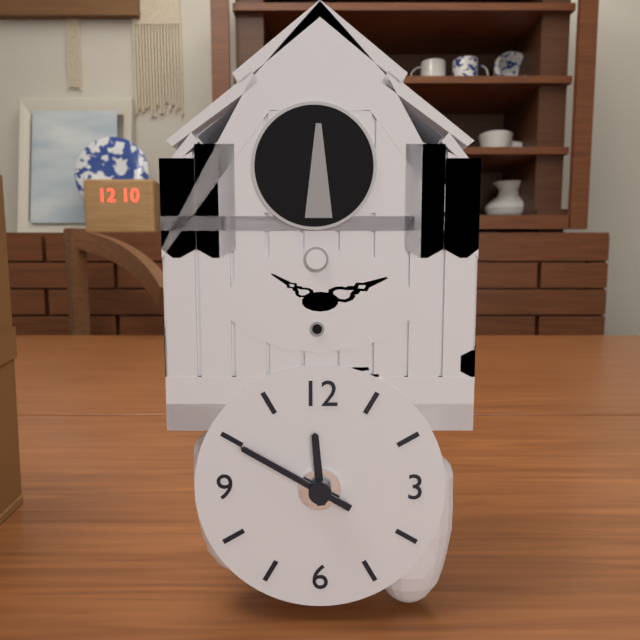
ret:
11:50
